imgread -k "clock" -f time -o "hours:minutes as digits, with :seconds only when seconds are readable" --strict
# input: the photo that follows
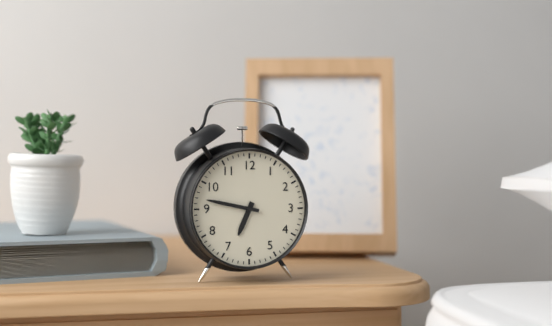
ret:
6:47
